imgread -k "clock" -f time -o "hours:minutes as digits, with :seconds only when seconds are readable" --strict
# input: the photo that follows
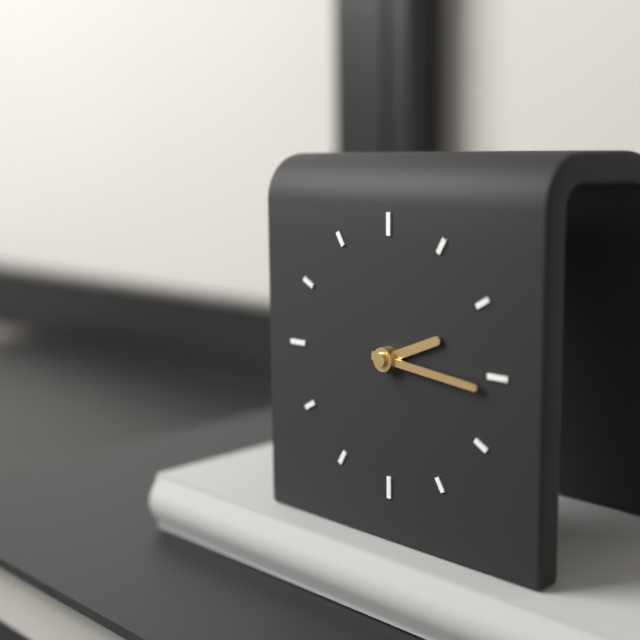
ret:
2:16
